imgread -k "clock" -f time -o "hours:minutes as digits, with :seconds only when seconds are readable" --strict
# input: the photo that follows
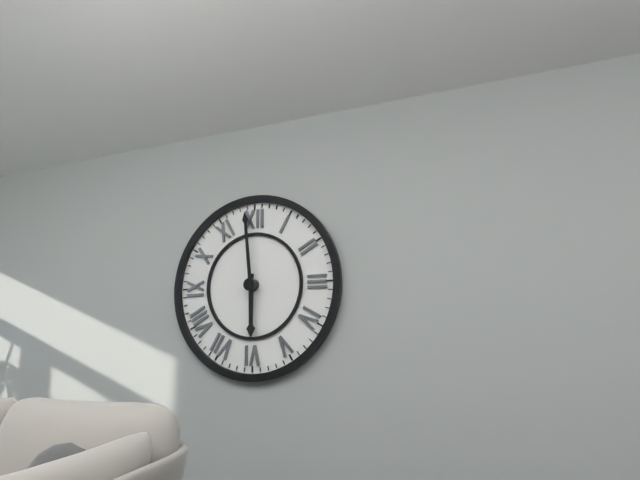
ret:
5:59
